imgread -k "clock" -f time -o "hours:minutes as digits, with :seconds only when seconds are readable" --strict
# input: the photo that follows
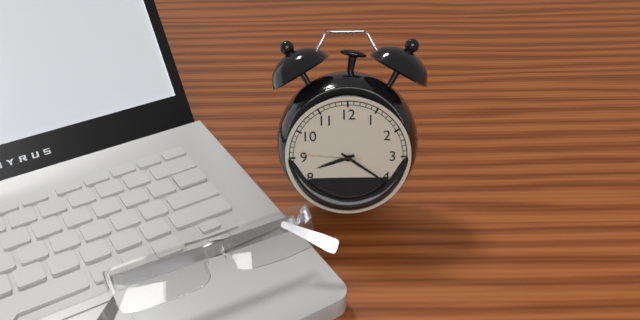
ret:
8:21:46
